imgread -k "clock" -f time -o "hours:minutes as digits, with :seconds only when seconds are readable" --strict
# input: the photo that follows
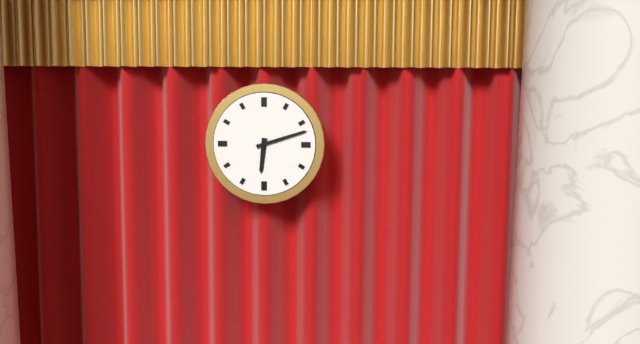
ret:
6:12
